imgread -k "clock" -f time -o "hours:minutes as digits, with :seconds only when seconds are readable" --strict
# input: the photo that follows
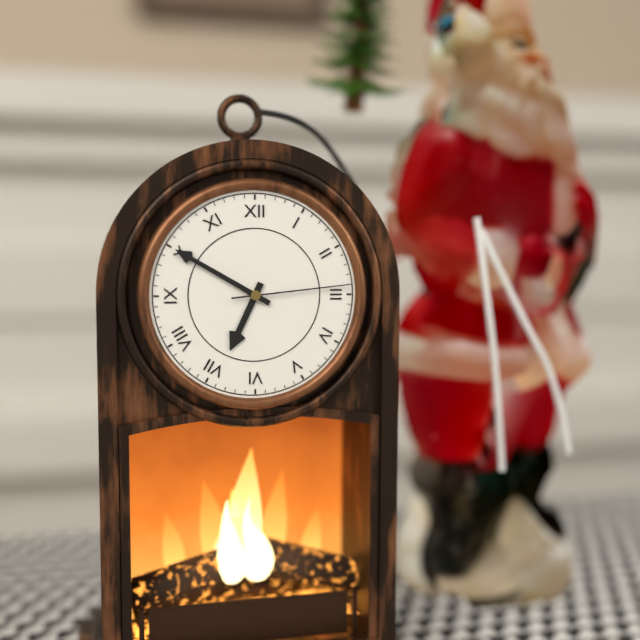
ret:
6:50:14
